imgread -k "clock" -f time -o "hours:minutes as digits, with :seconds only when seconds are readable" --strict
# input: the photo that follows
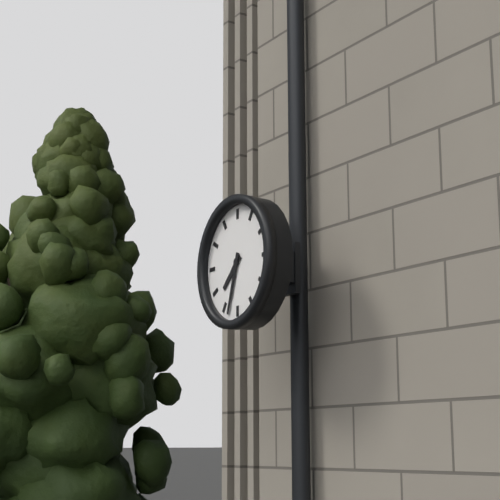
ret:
7:33
